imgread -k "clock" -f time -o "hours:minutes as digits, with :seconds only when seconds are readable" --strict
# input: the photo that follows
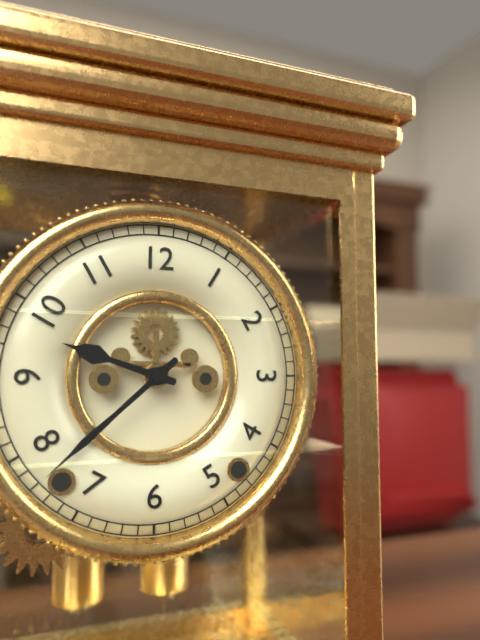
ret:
9:38
